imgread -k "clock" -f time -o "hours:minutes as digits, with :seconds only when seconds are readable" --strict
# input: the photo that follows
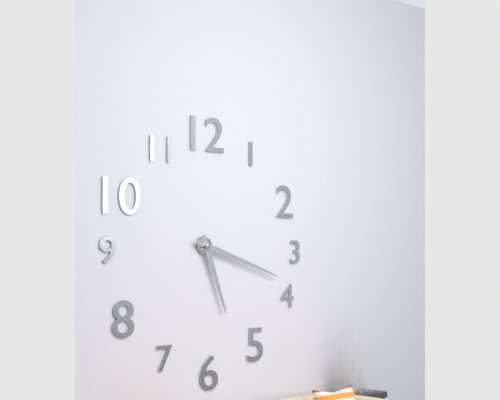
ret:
5:18
